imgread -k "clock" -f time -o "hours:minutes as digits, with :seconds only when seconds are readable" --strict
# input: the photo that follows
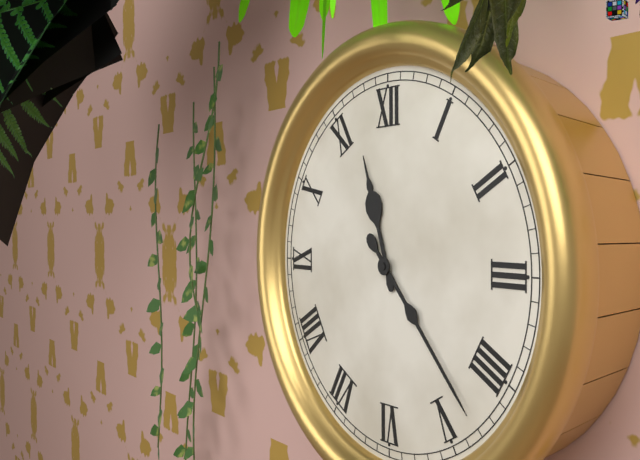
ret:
11:23
